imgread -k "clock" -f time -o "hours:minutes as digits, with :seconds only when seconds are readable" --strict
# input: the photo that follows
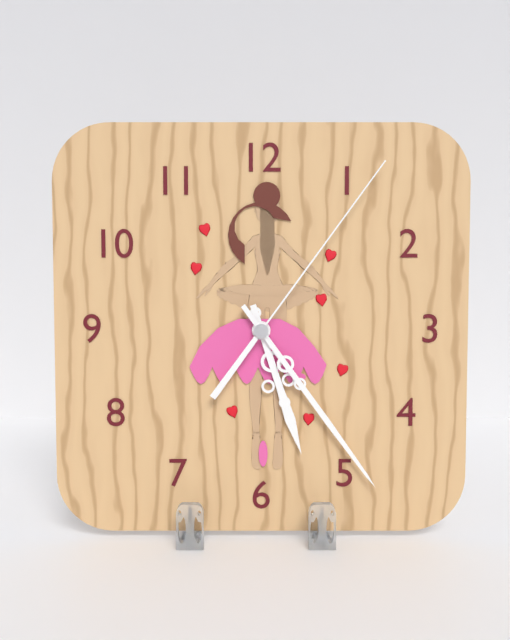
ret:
5:24:06
